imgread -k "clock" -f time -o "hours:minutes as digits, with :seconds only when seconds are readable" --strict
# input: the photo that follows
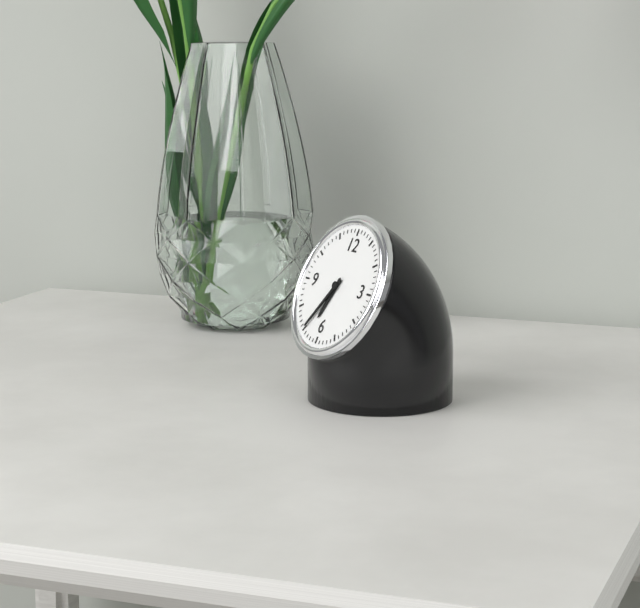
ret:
6:35
